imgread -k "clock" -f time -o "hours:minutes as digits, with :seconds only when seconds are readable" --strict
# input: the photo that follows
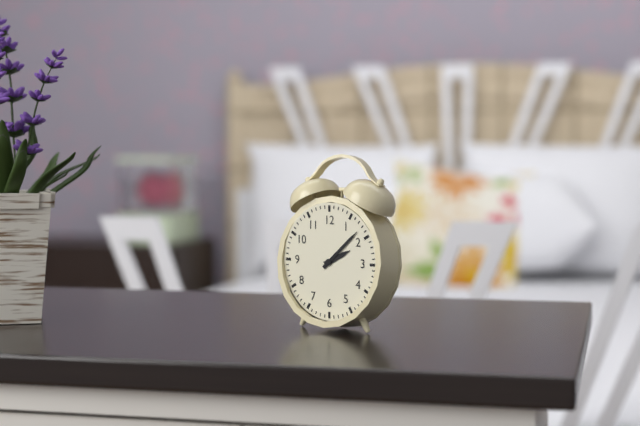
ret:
2:08
